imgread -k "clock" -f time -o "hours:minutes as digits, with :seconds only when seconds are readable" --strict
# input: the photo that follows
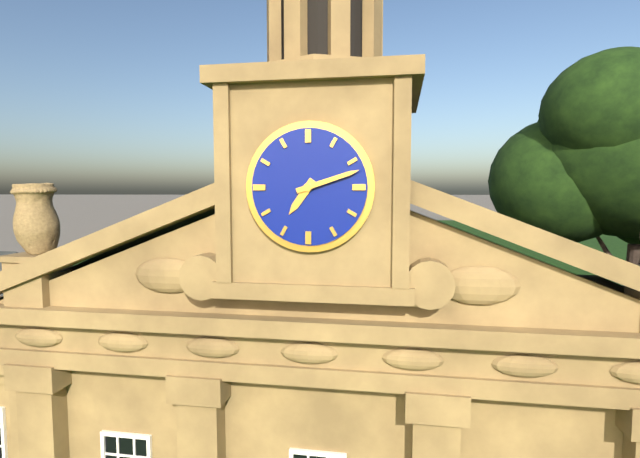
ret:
7:12
